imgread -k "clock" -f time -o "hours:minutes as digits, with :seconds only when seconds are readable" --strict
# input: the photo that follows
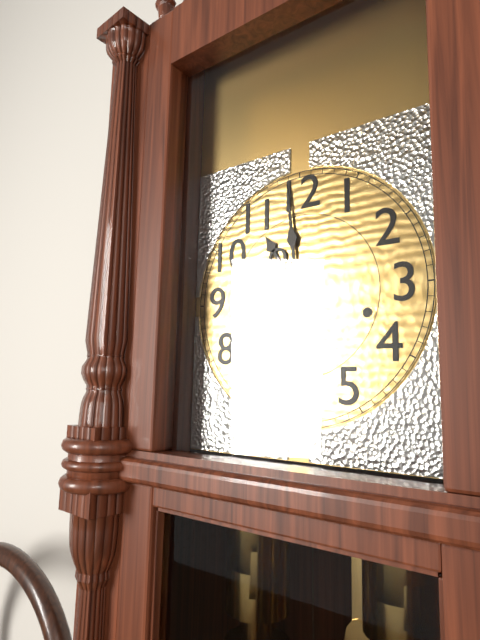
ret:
10:59
